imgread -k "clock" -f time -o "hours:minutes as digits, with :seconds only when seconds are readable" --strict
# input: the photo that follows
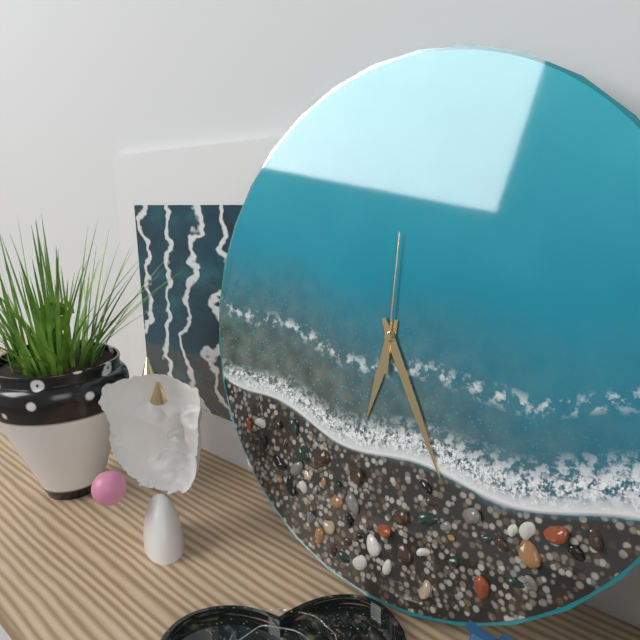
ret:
6:25:00
